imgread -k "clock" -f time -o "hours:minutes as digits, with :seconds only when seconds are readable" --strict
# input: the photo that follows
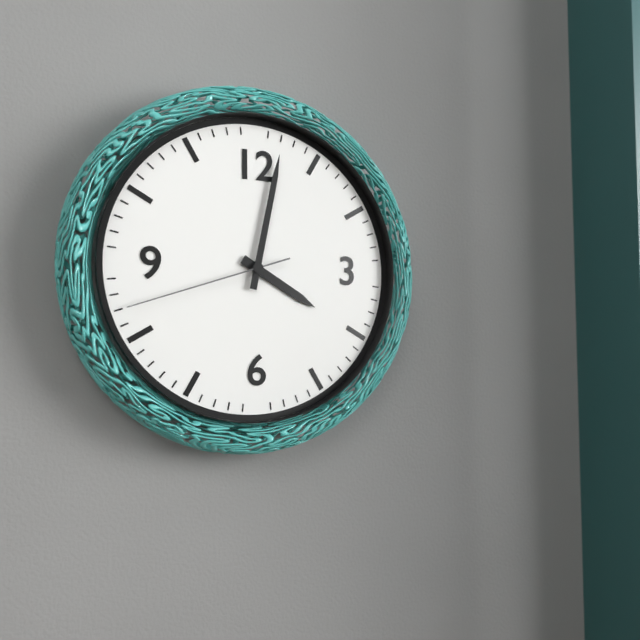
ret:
4:02:42
